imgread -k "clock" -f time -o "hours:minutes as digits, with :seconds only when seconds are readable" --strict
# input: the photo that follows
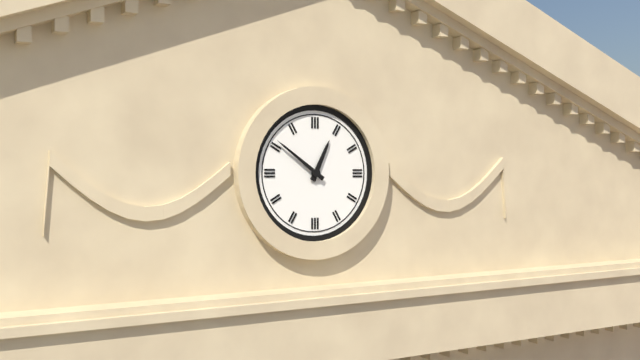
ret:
12:51
